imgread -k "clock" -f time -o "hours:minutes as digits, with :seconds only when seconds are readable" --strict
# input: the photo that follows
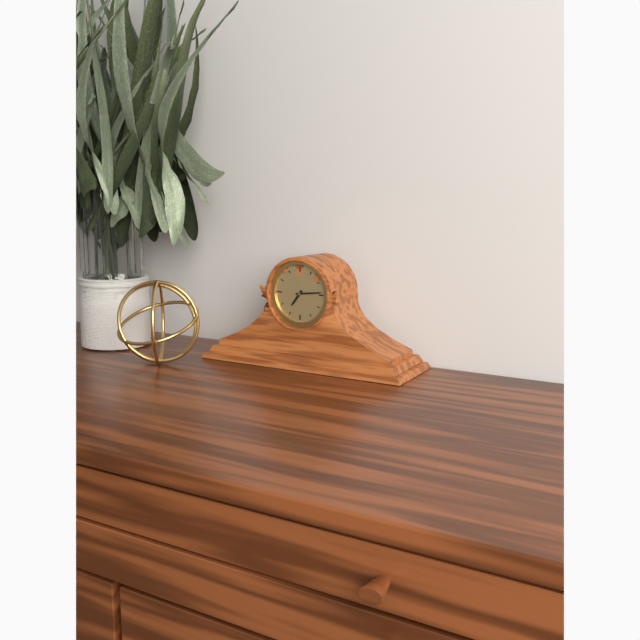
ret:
7:14
